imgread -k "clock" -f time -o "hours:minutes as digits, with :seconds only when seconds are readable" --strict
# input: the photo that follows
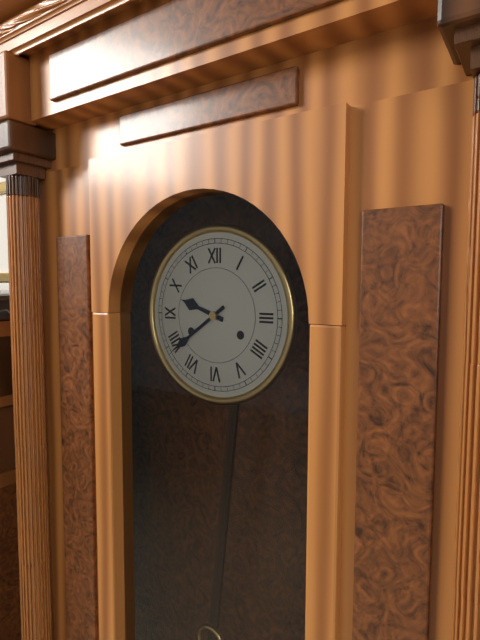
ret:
9:39
